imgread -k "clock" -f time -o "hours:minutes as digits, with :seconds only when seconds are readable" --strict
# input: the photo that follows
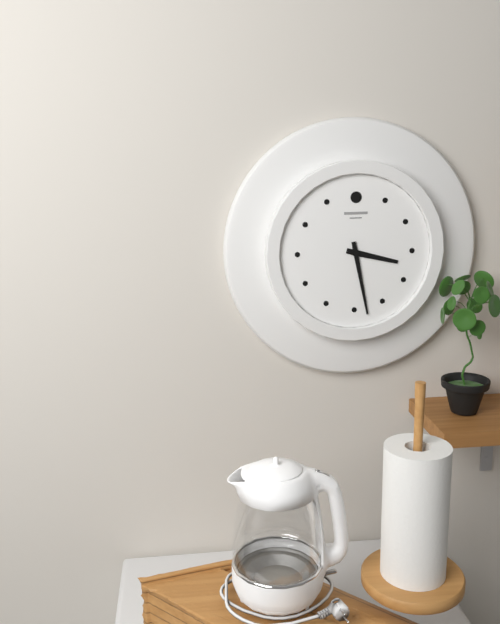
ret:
3:28
